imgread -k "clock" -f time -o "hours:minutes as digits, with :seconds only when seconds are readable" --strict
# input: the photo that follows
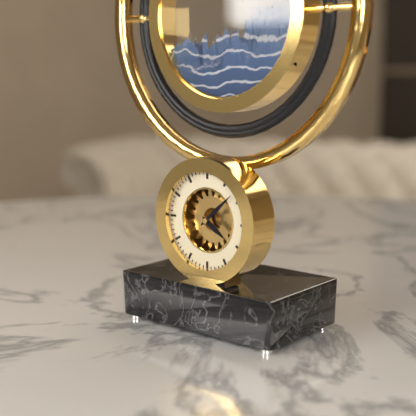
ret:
4:08
